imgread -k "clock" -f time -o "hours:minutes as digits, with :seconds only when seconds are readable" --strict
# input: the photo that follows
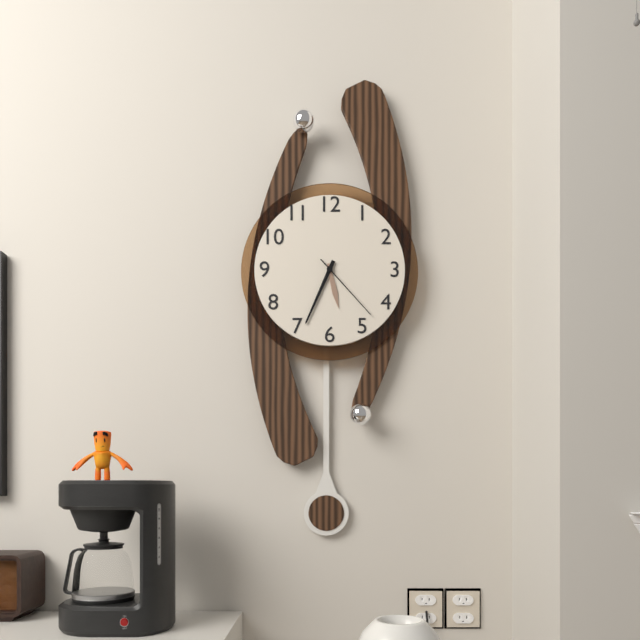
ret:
5:34:23
